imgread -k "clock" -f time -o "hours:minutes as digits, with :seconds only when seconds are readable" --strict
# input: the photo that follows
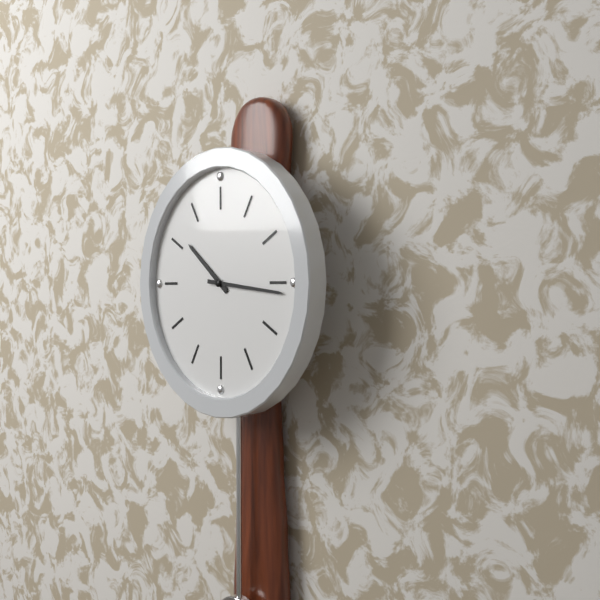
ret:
10:16
